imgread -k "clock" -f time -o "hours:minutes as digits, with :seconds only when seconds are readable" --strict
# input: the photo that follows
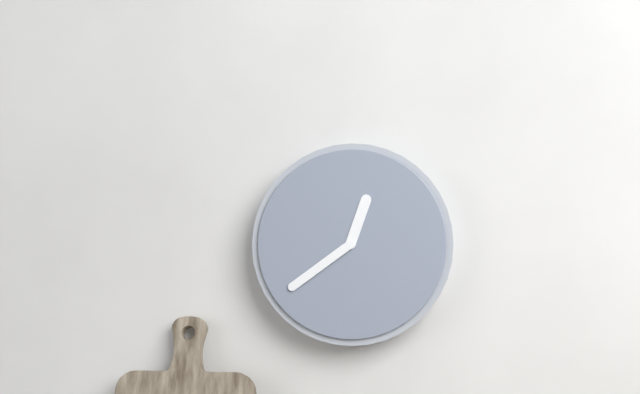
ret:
12:39
